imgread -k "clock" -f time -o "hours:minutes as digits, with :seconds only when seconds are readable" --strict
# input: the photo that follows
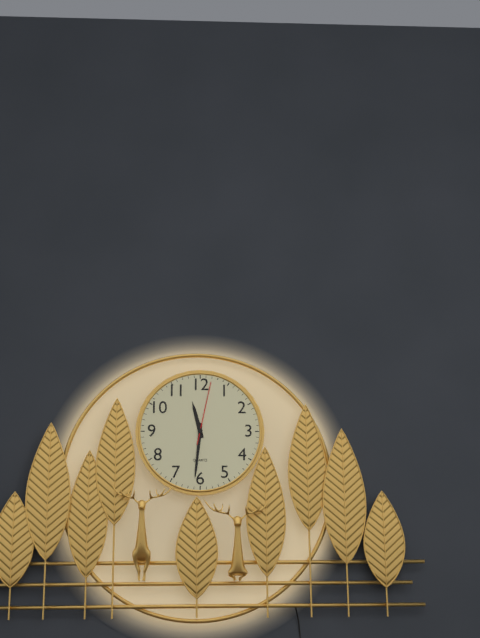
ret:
11:31:02
